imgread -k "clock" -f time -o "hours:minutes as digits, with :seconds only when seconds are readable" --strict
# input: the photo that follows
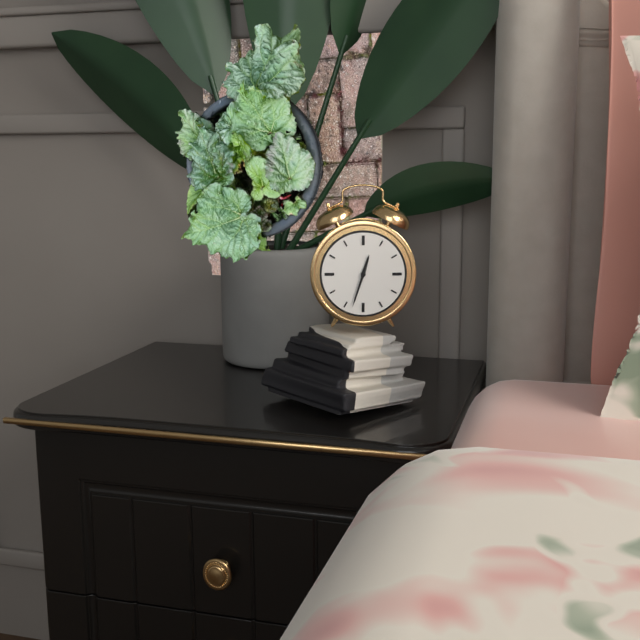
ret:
12:33
